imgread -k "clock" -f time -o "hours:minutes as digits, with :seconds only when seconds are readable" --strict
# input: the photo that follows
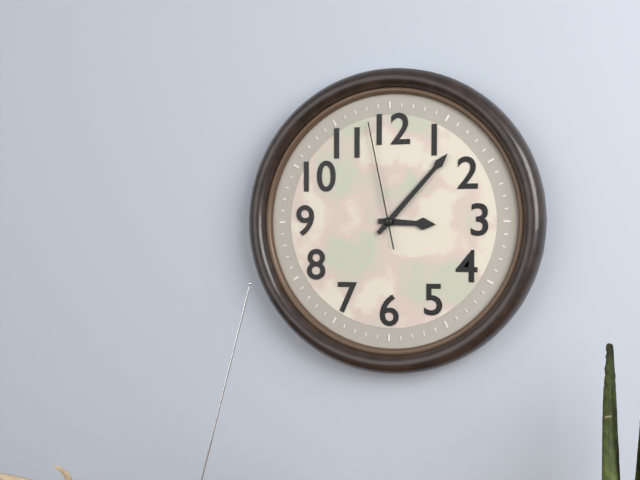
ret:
3:07:58
